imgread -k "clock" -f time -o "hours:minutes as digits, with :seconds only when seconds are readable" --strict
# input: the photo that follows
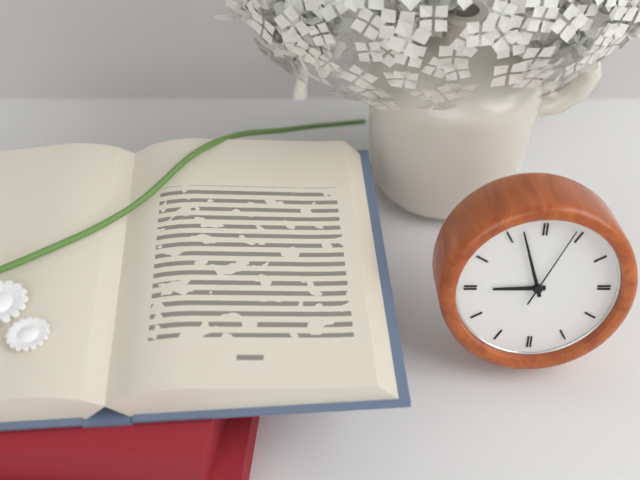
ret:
8:57:04
